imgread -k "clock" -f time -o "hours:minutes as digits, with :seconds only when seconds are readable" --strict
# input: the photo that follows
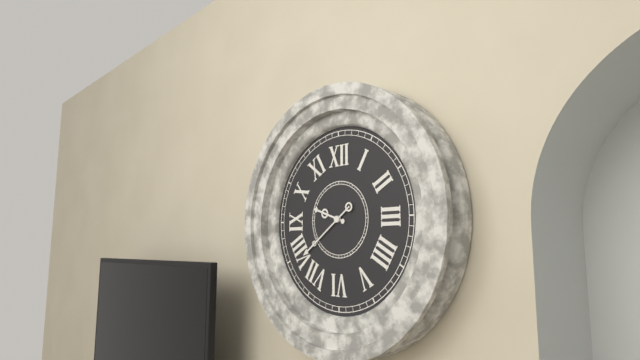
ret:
9:39
